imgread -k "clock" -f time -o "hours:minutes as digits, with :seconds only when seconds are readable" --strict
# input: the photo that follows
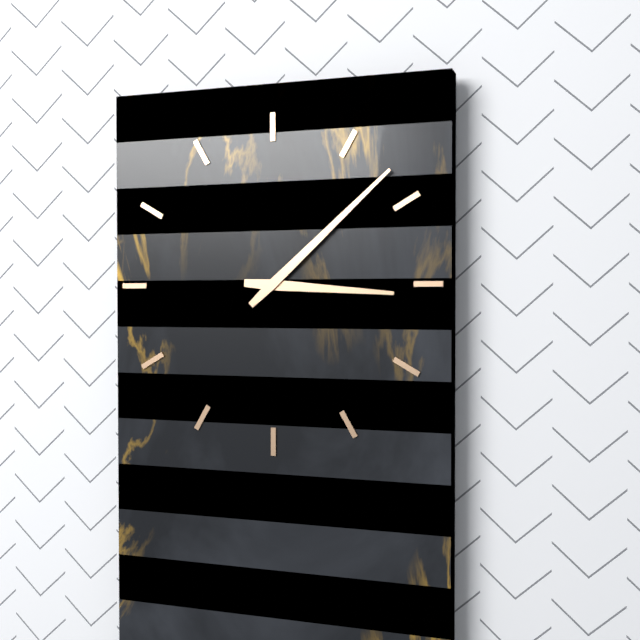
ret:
3:08
